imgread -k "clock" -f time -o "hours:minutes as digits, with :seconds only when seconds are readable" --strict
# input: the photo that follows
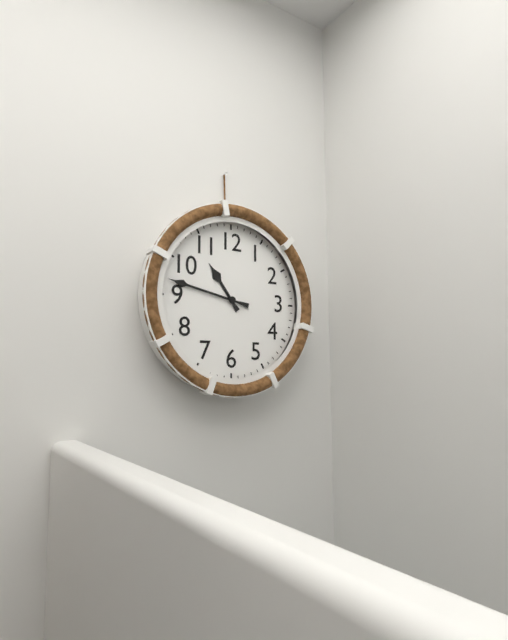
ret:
10:47
